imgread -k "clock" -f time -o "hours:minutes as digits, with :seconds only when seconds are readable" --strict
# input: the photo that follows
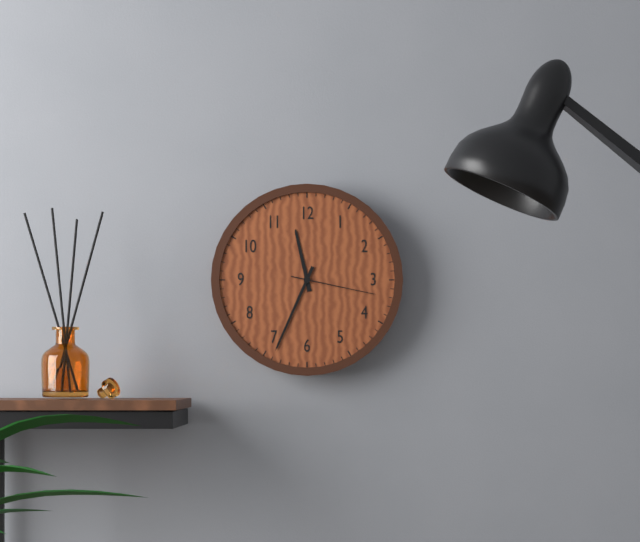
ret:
11:34:17
